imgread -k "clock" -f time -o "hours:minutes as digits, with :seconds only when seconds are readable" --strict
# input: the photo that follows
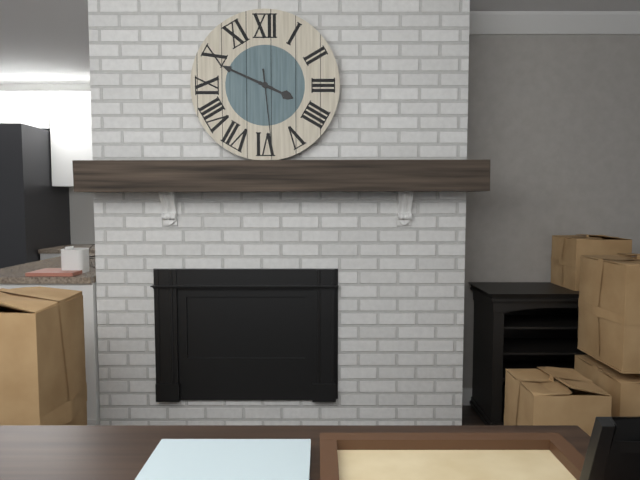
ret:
3:49:29
